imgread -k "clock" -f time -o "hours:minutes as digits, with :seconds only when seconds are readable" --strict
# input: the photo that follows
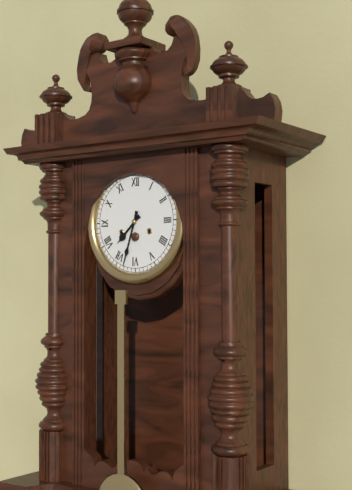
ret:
7:33
